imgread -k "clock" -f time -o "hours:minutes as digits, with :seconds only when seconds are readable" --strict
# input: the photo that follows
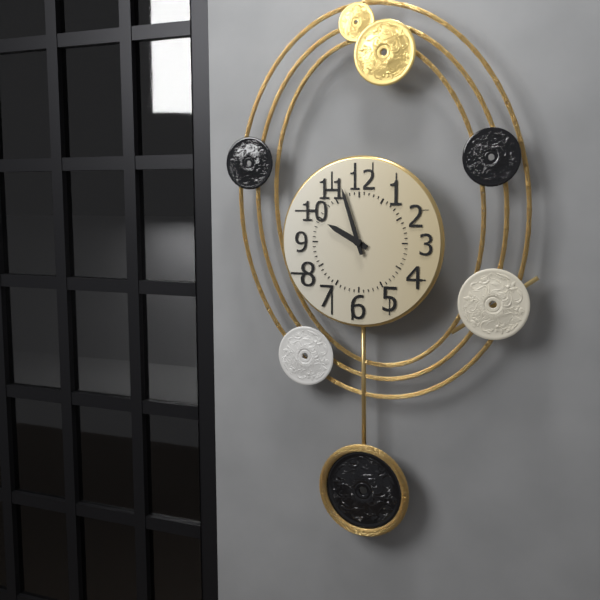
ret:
9:57
